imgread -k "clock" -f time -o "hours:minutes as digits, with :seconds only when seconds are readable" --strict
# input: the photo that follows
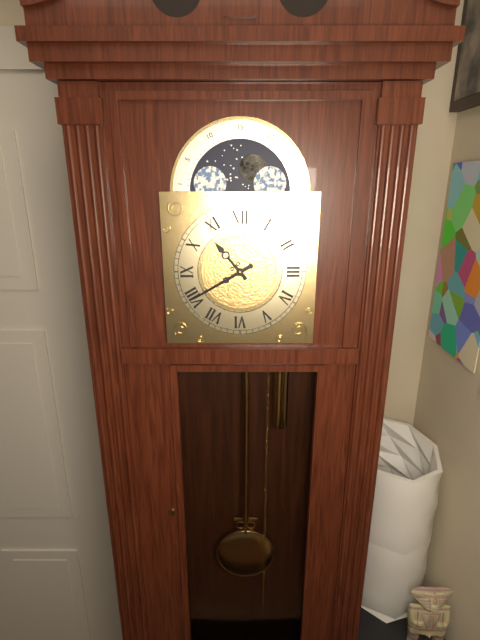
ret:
10:40
